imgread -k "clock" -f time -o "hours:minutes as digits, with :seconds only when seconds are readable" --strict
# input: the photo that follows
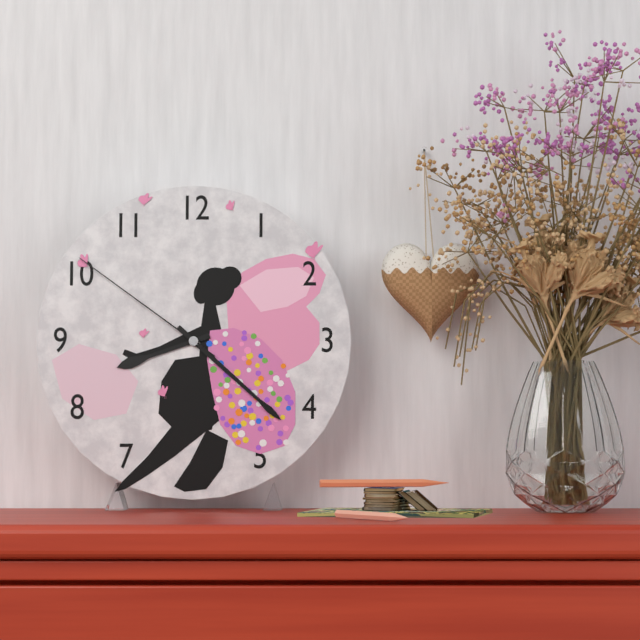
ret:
8:22:51
